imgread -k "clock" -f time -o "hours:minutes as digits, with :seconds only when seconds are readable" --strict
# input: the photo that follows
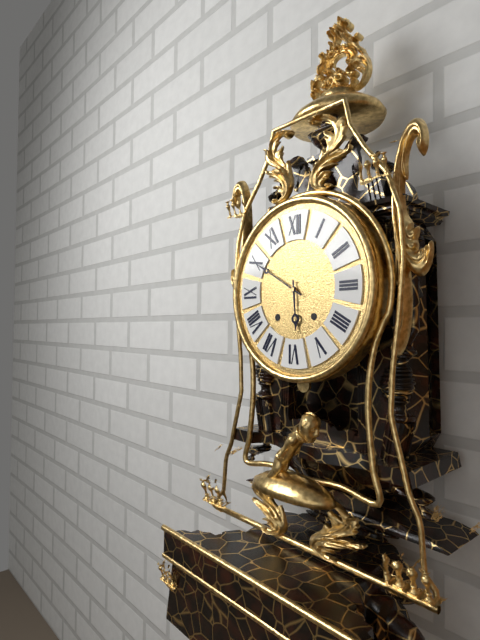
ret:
5:50
